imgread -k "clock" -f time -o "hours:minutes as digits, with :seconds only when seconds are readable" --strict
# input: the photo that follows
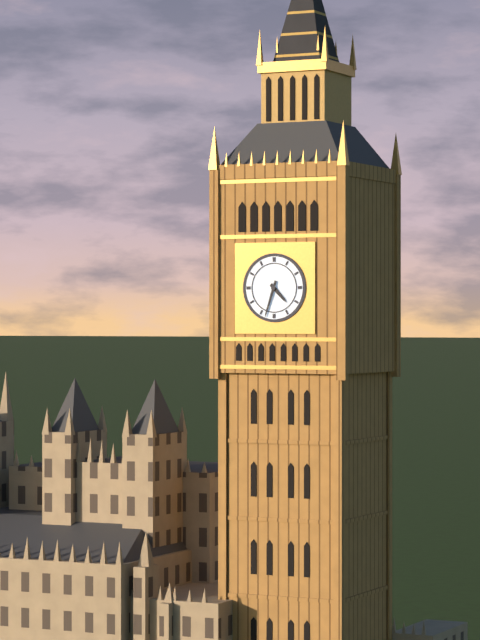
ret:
4:33
